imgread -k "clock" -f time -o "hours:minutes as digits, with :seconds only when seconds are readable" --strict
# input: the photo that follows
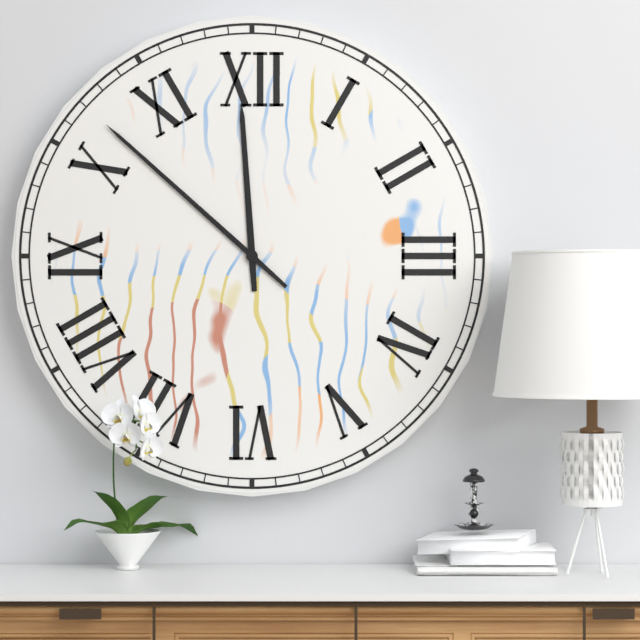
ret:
11:52
